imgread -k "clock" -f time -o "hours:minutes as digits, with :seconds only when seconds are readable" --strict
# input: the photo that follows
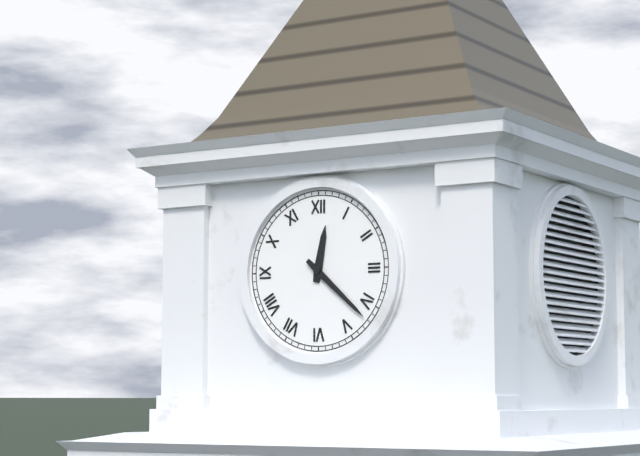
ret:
12:22
